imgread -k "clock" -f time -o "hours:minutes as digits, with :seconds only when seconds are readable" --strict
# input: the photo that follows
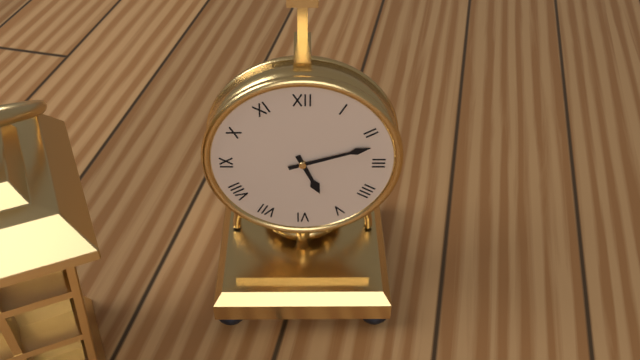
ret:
5:12
